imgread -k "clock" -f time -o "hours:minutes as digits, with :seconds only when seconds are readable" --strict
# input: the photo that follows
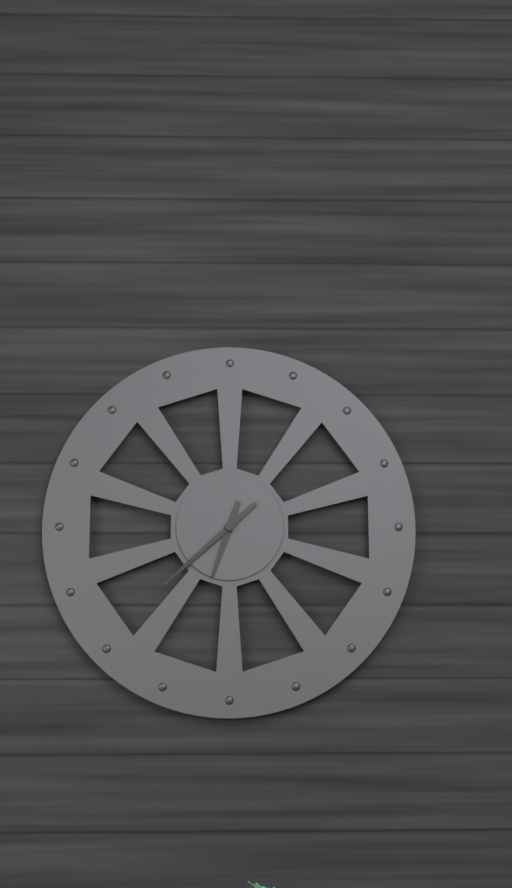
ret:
6:38
